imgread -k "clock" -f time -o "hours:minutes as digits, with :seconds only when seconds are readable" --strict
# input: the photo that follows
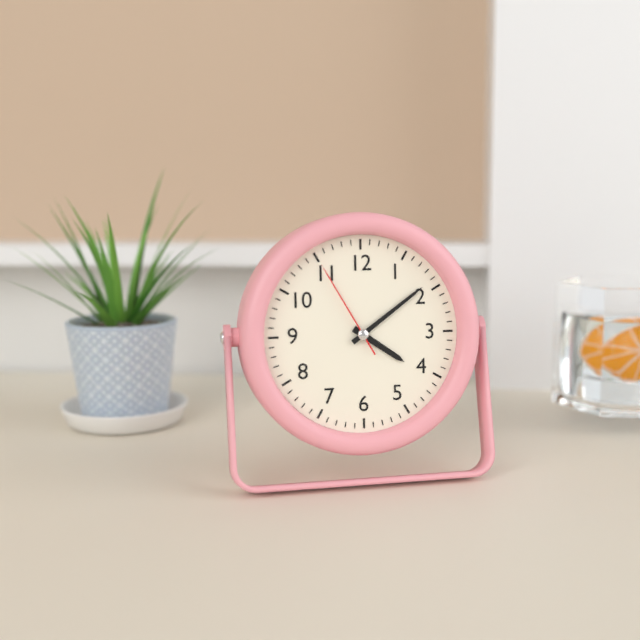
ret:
4:09:55
